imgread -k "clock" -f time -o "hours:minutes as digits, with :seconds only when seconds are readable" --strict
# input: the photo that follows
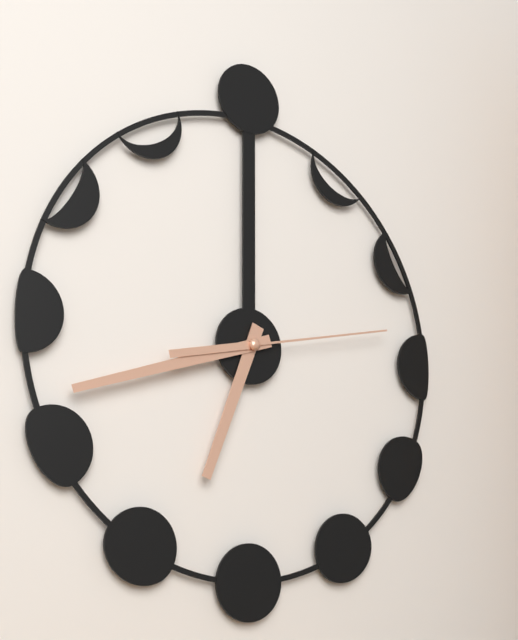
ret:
6:42:13
